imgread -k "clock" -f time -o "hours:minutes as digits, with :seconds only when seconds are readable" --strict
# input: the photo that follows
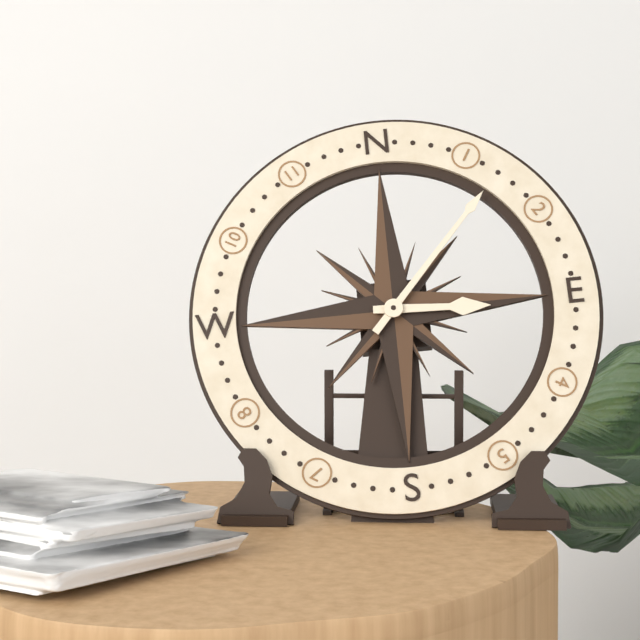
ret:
3:07
